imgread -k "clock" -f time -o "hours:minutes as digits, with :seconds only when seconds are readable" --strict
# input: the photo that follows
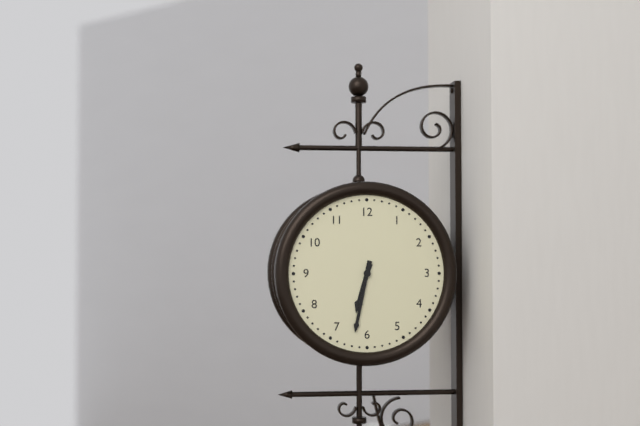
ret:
6:32
